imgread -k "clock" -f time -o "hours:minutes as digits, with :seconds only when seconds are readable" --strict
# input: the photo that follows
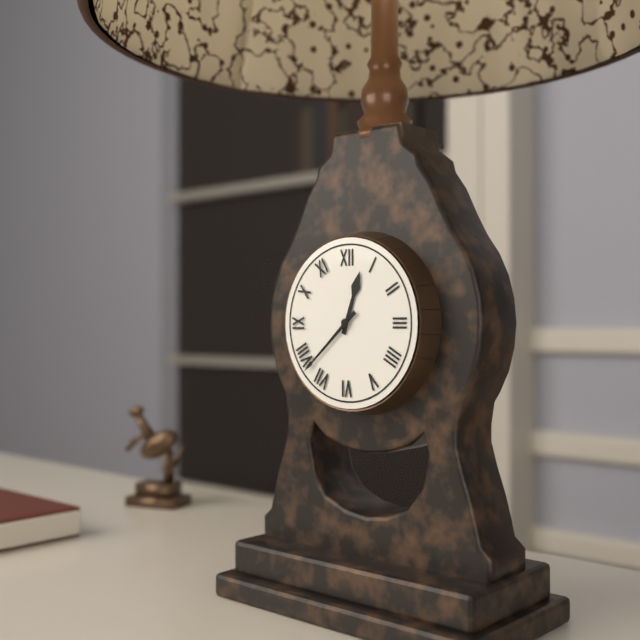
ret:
12:38
